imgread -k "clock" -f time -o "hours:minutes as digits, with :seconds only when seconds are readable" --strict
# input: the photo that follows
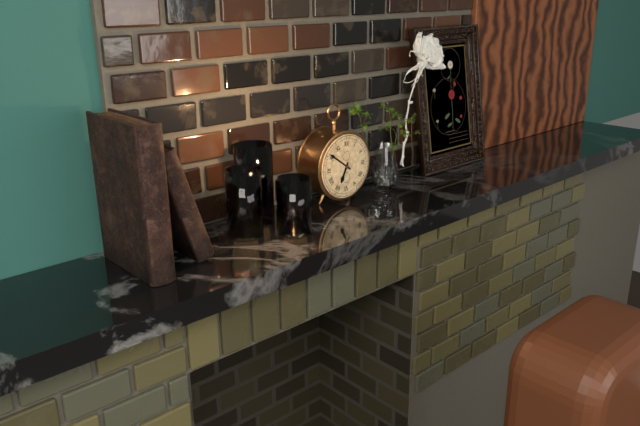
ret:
6:51
